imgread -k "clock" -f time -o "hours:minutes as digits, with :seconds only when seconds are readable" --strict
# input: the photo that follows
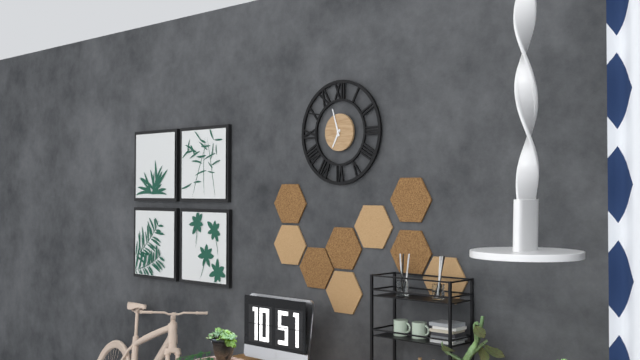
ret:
6:57
